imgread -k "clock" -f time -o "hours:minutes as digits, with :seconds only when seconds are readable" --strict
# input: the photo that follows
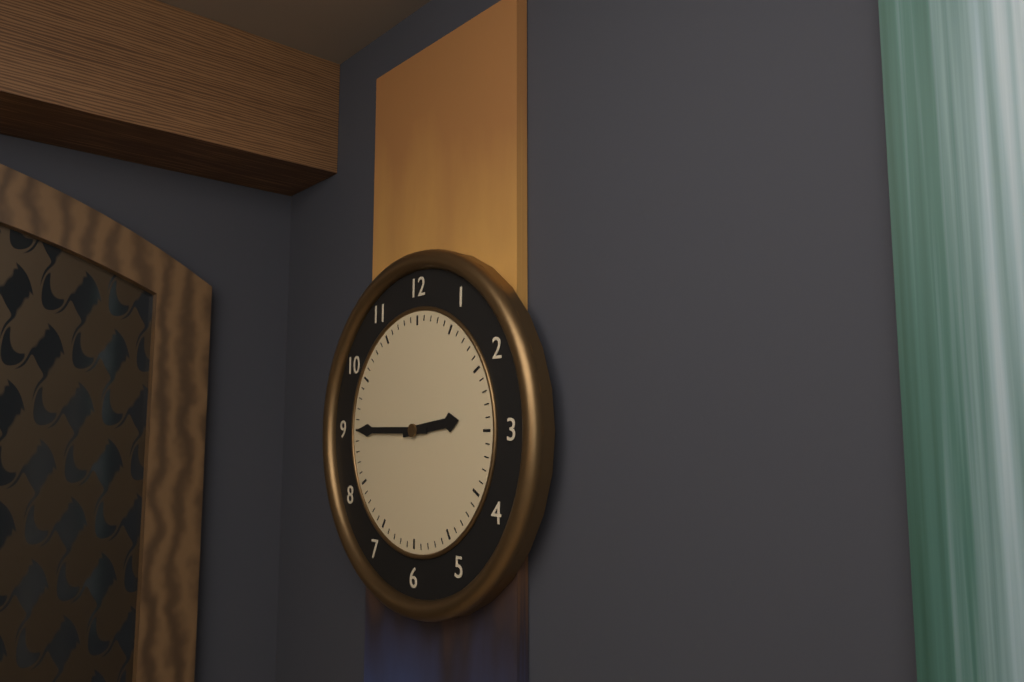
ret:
2:45
